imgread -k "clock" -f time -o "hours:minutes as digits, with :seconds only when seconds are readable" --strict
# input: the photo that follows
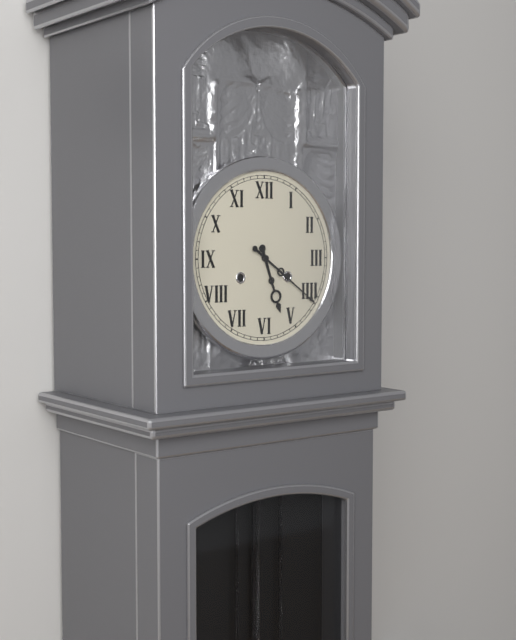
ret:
5:21
